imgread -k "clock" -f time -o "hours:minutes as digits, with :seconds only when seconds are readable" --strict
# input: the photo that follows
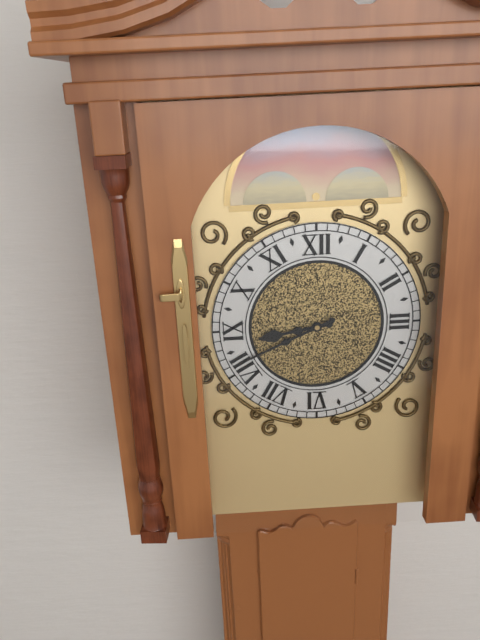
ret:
8:41
